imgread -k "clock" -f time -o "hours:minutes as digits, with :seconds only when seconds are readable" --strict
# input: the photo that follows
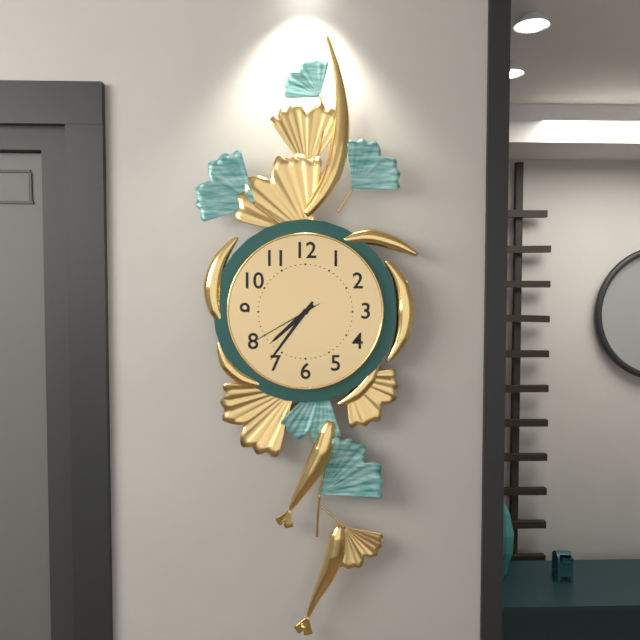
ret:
7:36:40
